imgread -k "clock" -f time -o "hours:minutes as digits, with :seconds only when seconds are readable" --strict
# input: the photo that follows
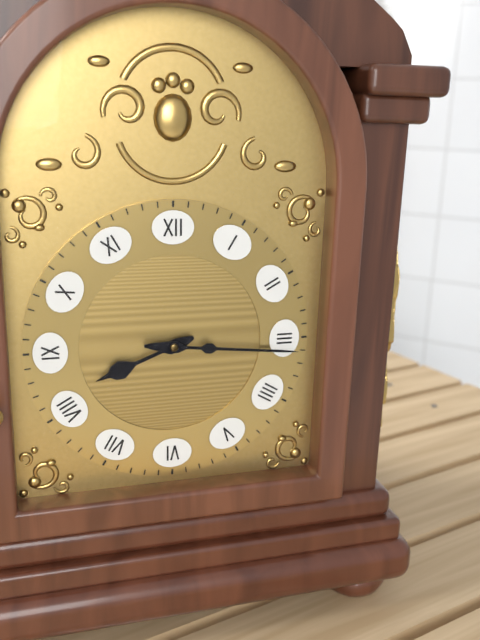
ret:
8:16
